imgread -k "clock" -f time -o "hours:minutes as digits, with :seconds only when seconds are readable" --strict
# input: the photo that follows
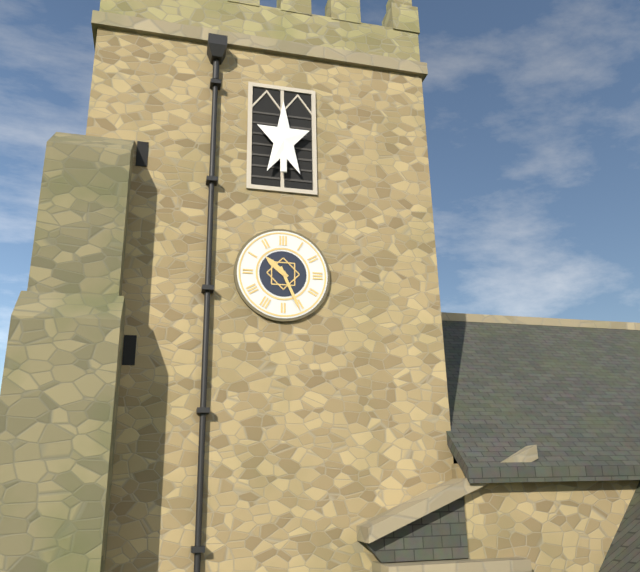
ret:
10:26
